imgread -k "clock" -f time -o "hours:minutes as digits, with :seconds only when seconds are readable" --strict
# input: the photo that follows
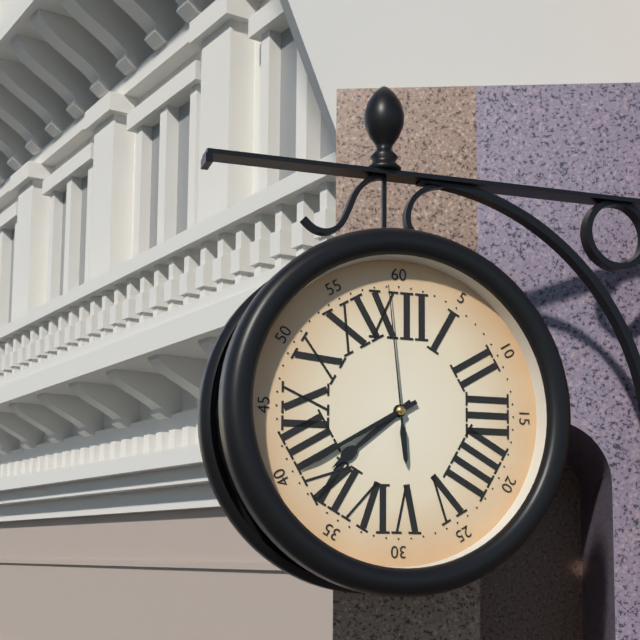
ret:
7:40:59
